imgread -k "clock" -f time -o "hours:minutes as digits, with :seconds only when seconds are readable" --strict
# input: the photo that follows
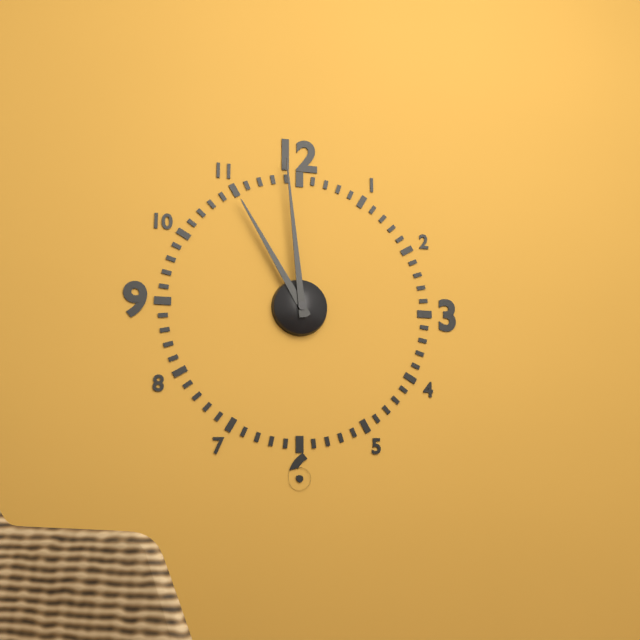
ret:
10:59
